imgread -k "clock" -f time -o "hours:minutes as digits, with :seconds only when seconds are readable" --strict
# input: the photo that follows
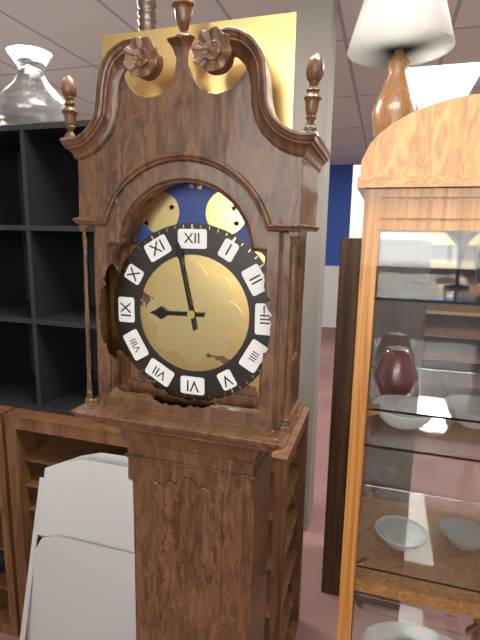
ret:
8:58
